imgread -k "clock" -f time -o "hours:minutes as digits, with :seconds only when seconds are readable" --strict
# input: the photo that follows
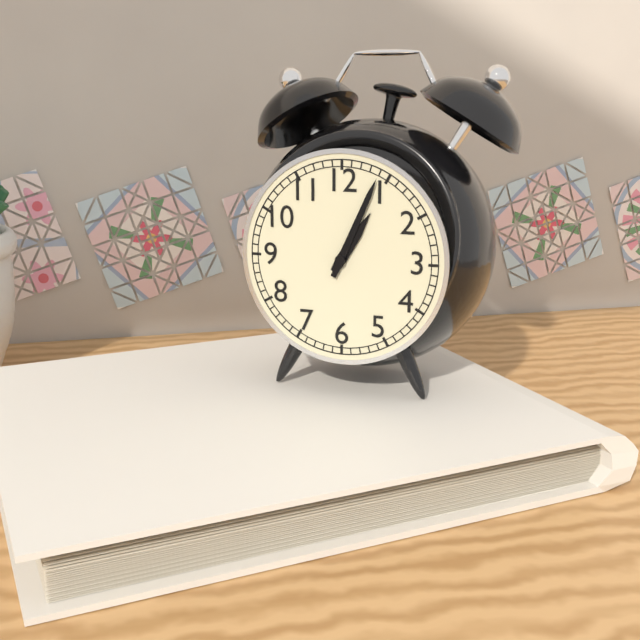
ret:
1:04
